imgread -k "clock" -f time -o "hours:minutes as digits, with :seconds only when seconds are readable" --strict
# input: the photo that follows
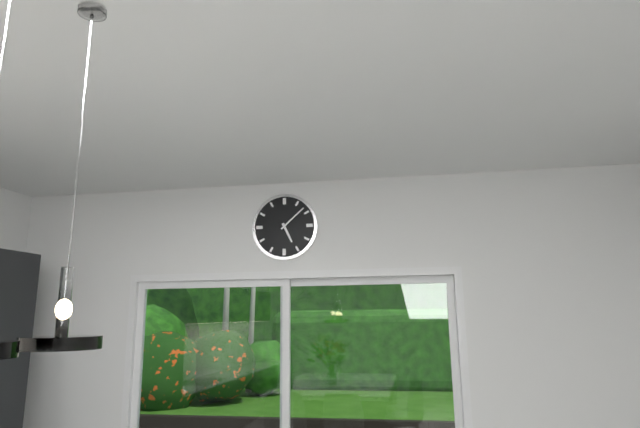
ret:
5:08
